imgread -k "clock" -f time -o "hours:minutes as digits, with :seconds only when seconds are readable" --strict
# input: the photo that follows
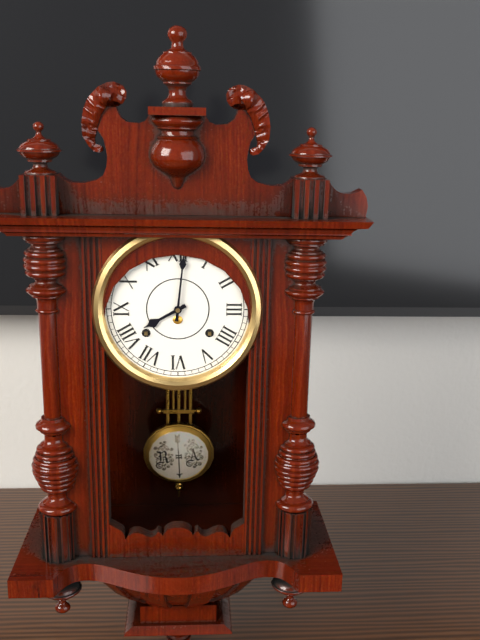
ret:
8:01
